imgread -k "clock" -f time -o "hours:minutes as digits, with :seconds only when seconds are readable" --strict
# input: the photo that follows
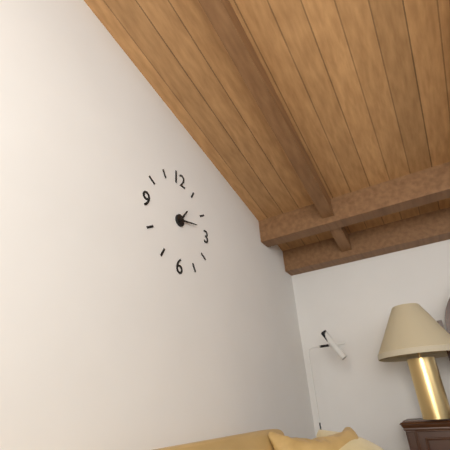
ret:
1:13
